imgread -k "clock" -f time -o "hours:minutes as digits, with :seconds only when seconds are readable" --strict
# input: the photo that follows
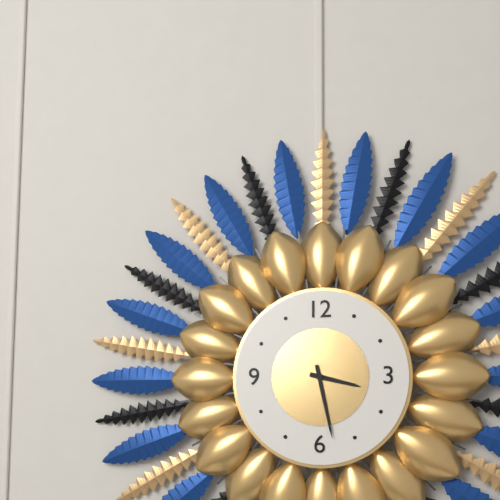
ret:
3:28
